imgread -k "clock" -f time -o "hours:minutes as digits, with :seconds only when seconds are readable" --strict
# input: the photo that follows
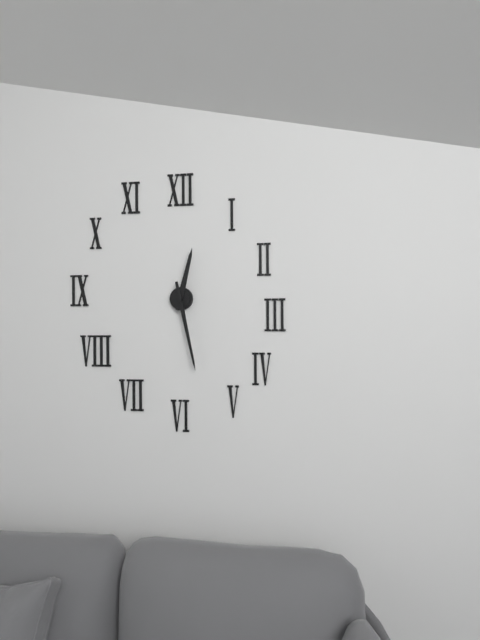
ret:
12:28
